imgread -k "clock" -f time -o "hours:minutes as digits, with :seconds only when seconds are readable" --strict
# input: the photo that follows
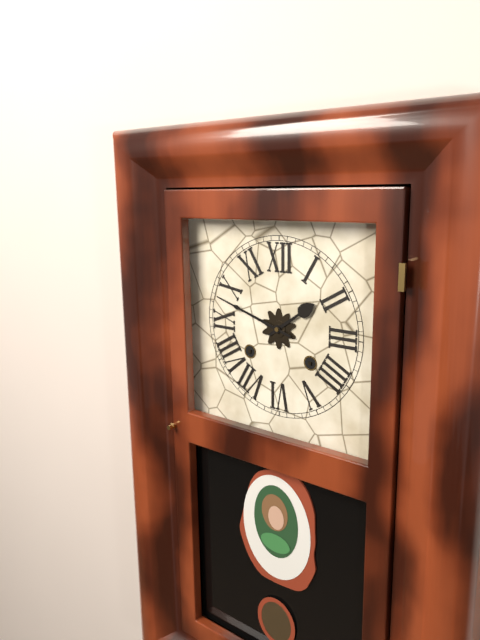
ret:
1:48
